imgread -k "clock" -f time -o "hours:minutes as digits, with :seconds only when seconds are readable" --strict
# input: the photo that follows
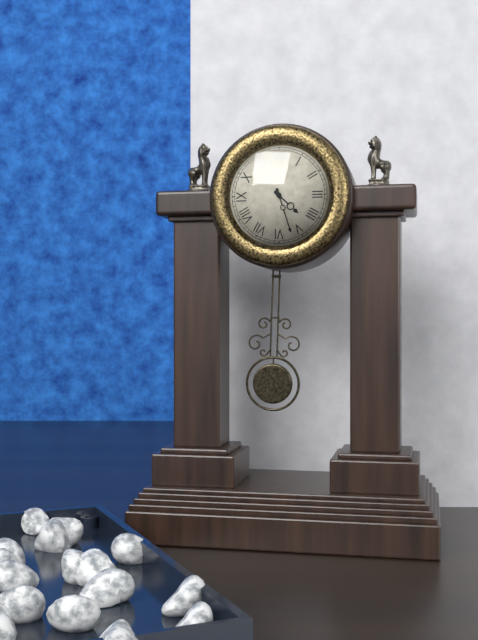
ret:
4:27
